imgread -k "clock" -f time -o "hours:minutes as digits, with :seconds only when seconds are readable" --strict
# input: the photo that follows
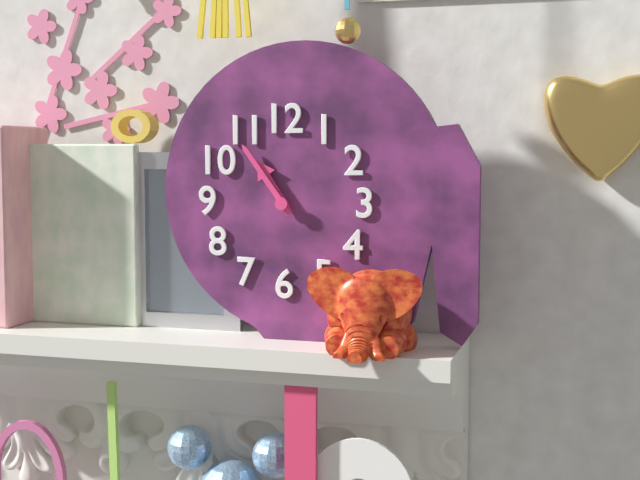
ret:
10:54
